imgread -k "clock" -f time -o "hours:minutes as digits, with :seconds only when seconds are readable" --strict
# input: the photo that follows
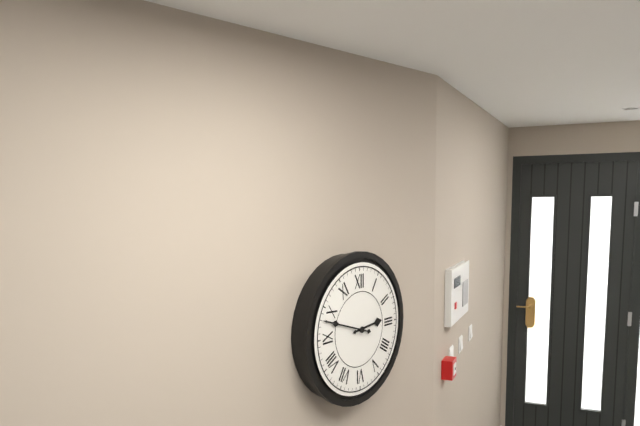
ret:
2:48
